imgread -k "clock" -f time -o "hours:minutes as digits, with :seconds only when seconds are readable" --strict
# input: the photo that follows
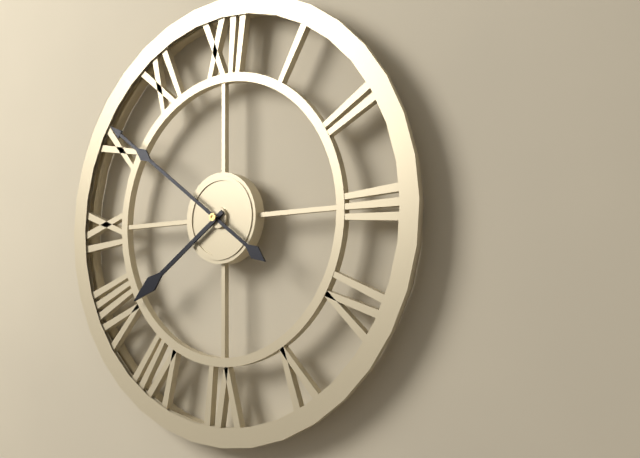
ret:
7:51
